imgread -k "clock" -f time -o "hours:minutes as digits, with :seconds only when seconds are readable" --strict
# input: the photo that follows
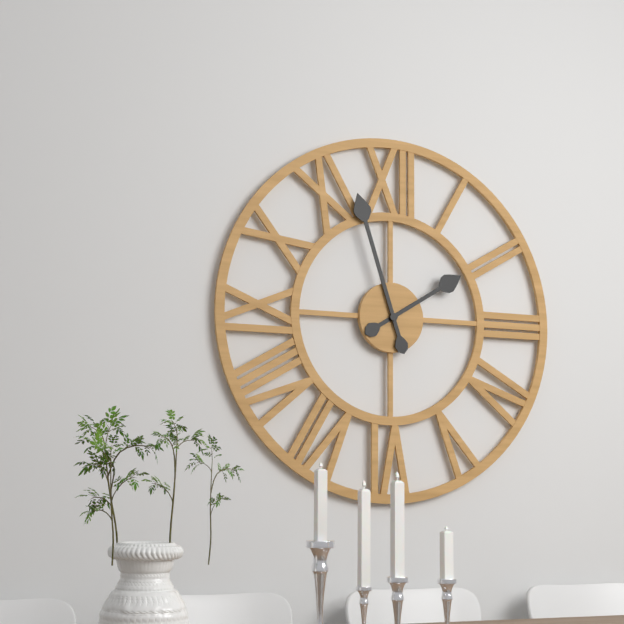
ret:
1:57
